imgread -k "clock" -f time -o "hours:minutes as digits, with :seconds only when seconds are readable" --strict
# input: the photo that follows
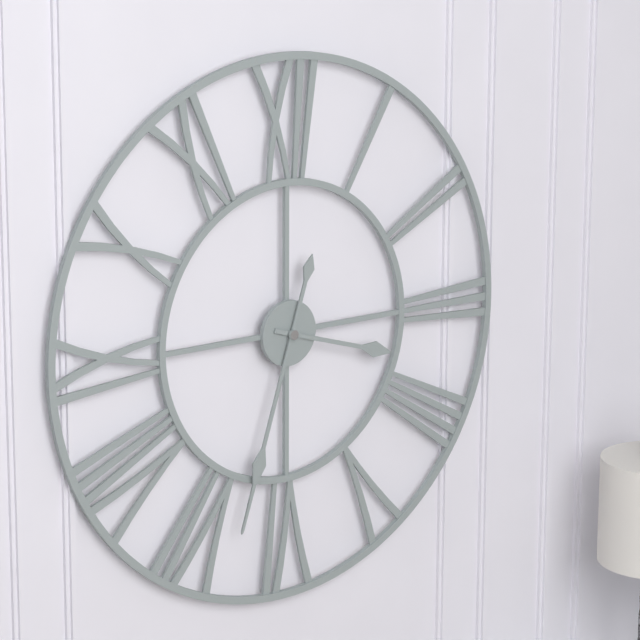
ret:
3:33
